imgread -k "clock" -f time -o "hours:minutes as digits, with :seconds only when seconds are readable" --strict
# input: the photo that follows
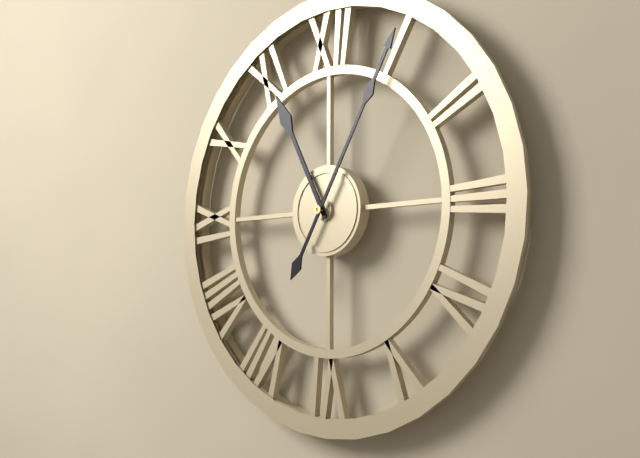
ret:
11:05
